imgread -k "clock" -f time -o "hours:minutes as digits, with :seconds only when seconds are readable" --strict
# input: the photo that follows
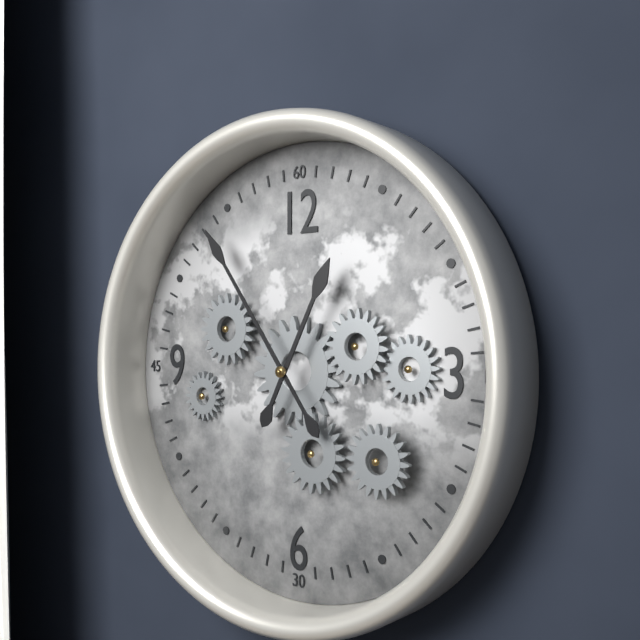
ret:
12:54
